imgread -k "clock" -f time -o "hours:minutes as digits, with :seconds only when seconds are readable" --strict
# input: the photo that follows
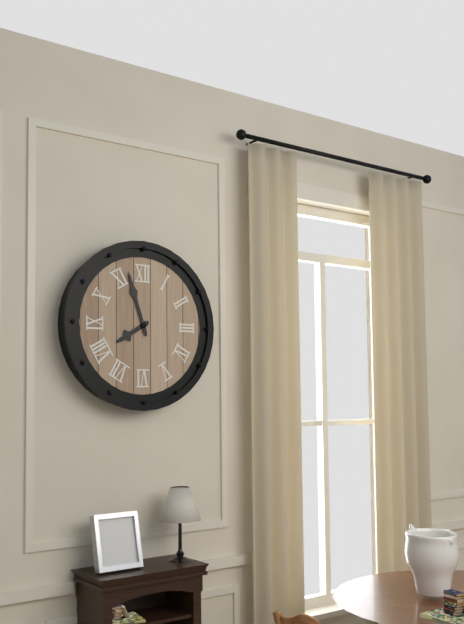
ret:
7:57
